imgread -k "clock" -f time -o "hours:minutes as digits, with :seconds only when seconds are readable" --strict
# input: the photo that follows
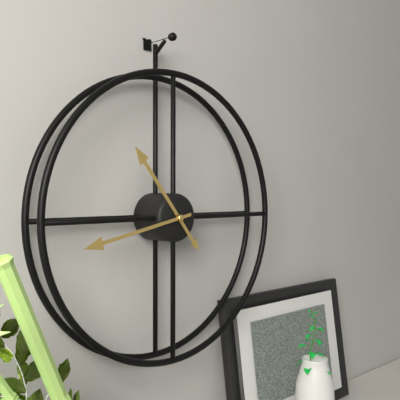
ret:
10:43
